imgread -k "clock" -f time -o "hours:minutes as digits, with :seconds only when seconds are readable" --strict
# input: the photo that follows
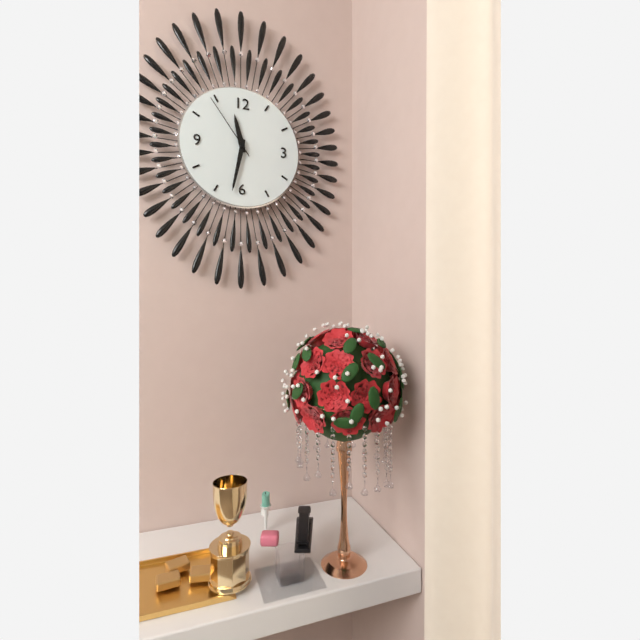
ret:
11:32:54
